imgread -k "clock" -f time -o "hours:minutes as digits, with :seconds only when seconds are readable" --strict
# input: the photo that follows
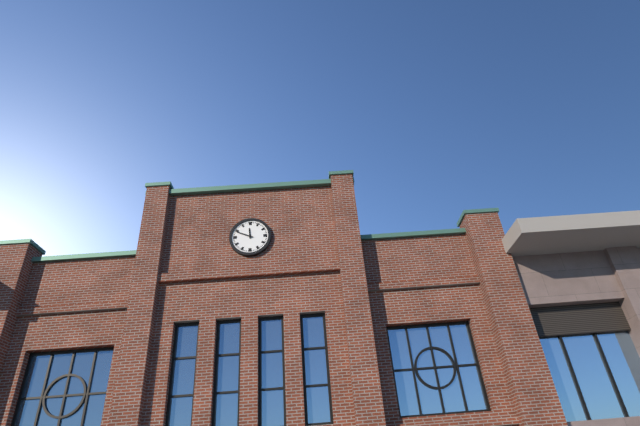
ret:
11:49
